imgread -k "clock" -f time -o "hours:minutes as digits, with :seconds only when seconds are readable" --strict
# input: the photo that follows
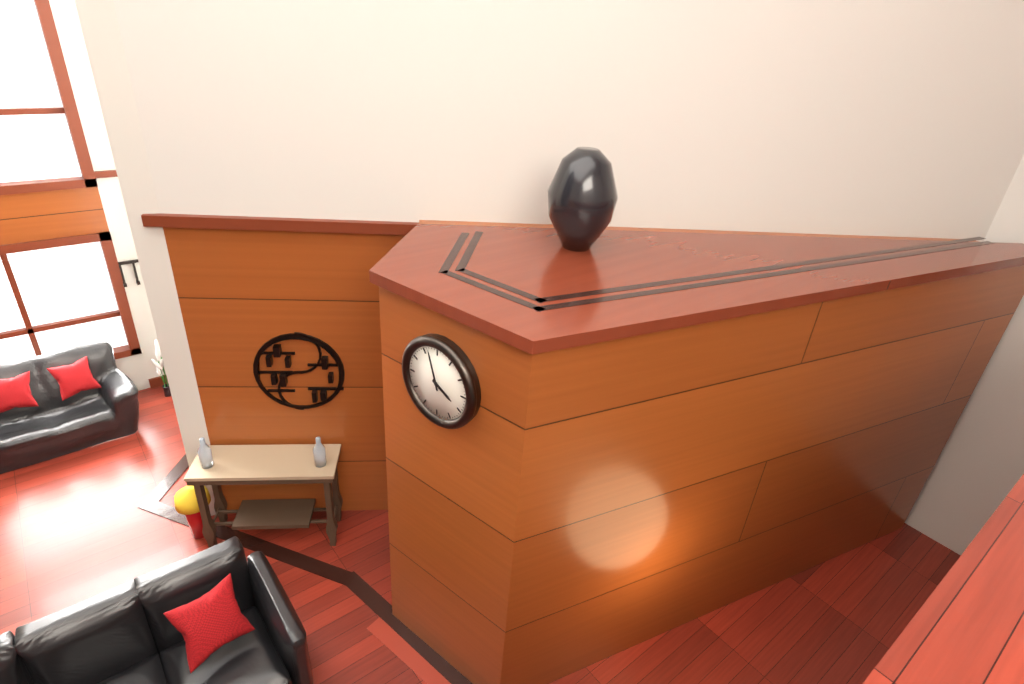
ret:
3:57
